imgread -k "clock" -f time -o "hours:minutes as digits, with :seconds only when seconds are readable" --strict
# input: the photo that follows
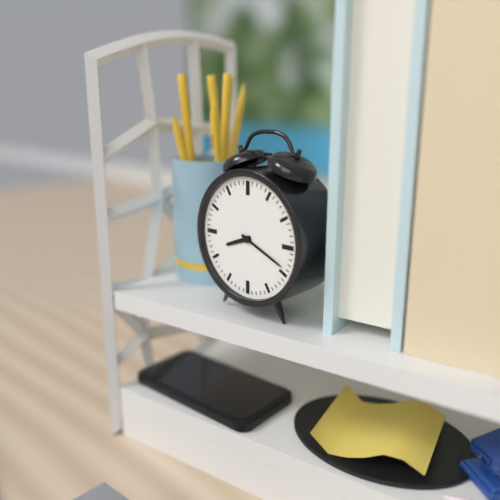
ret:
8:19
